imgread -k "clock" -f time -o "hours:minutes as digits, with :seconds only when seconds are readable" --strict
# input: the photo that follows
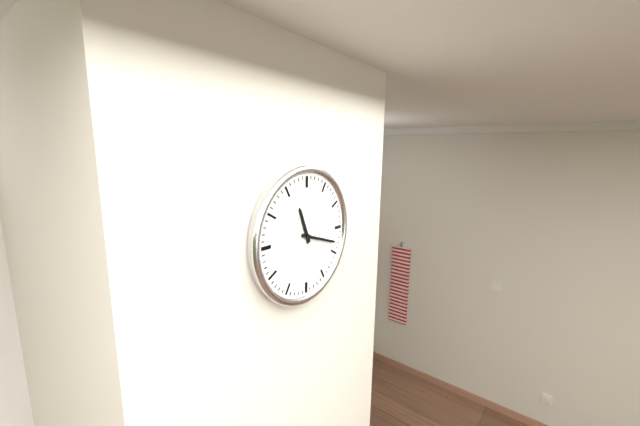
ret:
11:18
